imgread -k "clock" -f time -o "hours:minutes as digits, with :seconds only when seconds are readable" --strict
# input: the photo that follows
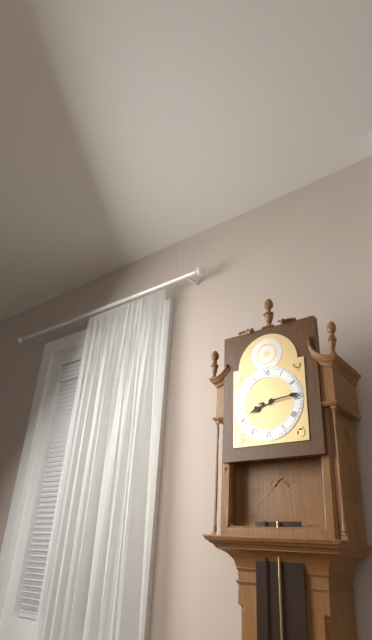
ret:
8:14
